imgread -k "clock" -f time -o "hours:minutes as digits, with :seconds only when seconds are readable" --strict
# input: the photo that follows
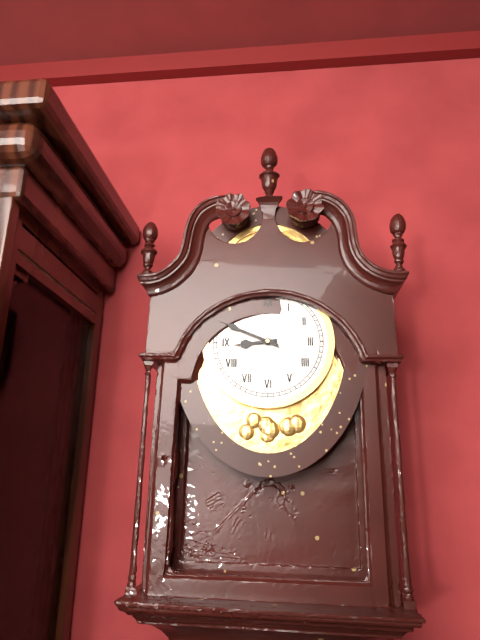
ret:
8:49
